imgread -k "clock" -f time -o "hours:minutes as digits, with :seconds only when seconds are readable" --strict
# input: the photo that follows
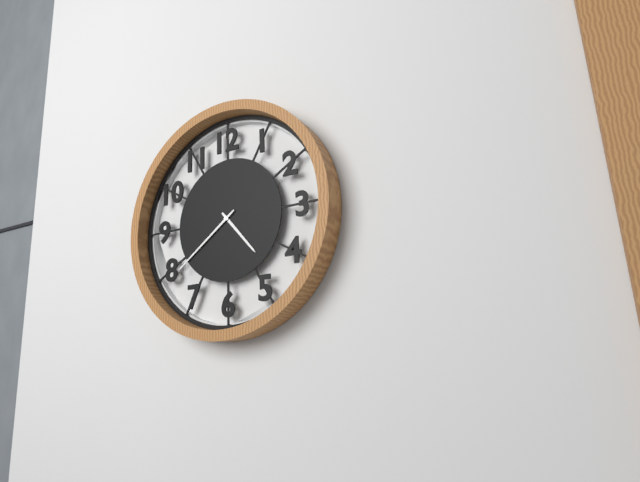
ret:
4:39
